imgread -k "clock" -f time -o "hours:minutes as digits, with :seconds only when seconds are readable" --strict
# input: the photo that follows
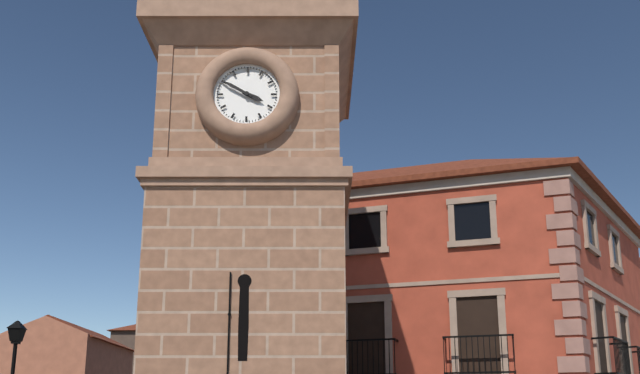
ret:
3:50
